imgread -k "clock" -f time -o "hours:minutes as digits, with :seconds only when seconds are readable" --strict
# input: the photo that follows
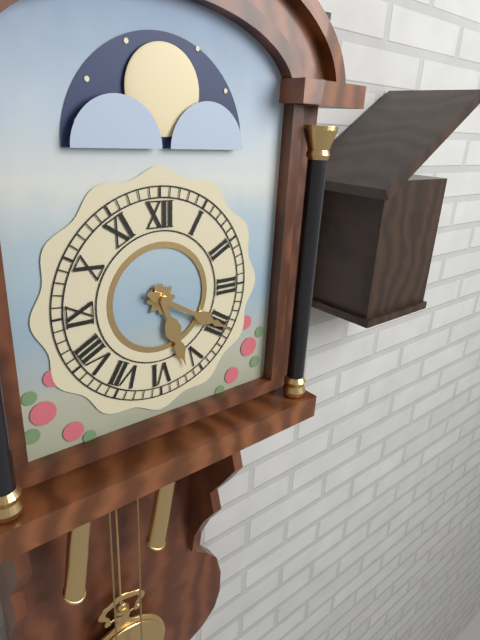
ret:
5:20
